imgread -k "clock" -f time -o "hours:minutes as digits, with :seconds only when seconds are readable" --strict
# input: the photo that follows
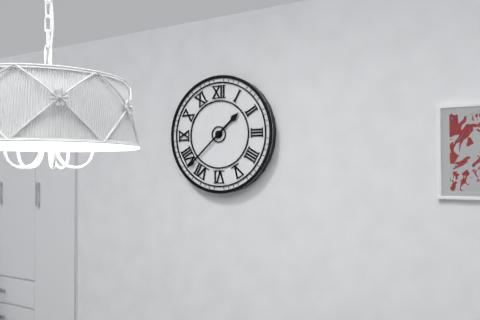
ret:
1:38
